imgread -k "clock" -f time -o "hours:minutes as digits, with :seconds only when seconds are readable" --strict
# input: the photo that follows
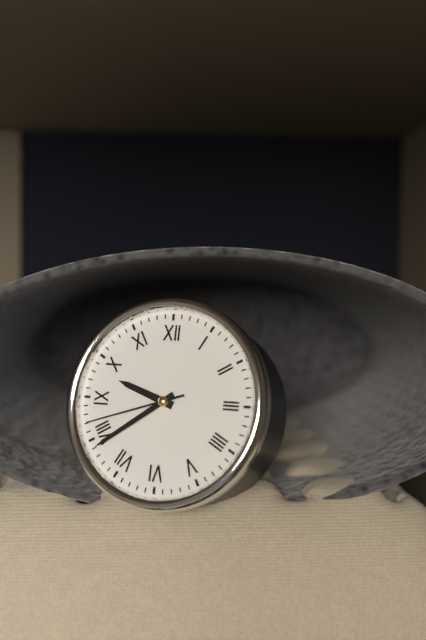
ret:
9:39:42
